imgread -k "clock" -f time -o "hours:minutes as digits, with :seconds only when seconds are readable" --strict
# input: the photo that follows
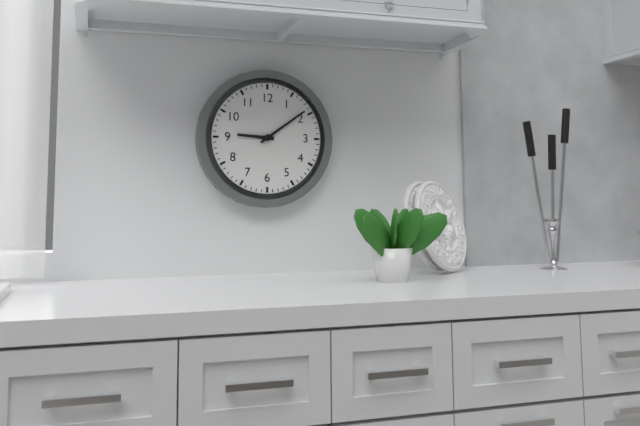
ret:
9:09
